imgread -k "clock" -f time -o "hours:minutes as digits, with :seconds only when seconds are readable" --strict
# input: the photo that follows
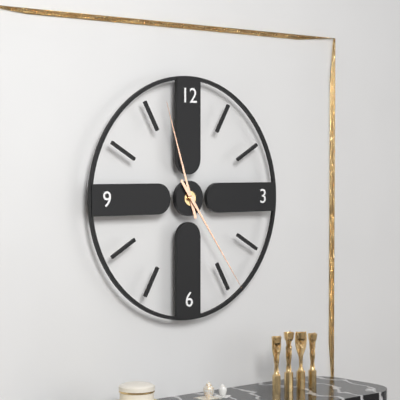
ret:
11:24
